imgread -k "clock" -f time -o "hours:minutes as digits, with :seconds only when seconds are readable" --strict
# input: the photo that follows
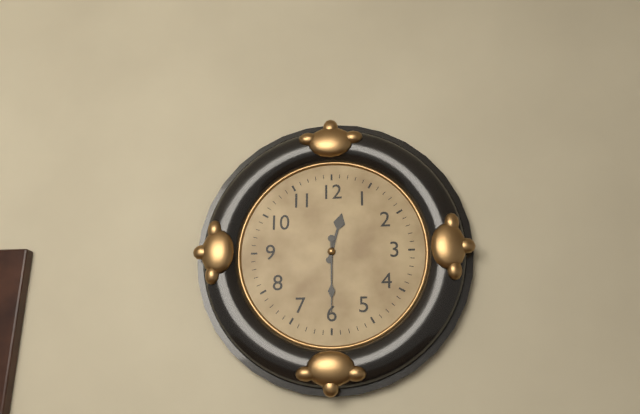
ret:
12:30
